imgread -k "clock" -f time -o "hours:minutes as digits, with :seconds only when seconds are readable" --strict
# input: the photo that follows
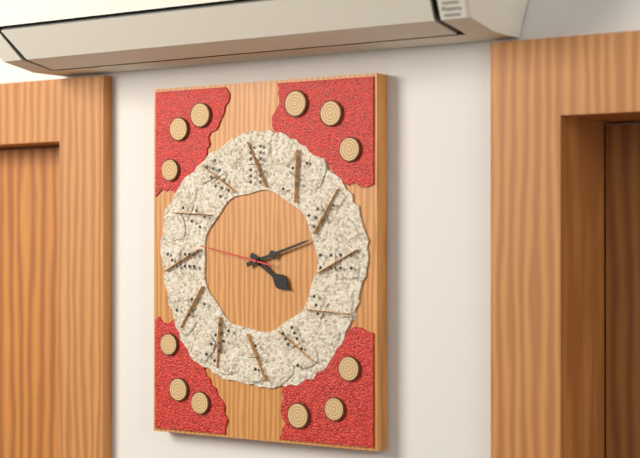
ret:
4:12:47
